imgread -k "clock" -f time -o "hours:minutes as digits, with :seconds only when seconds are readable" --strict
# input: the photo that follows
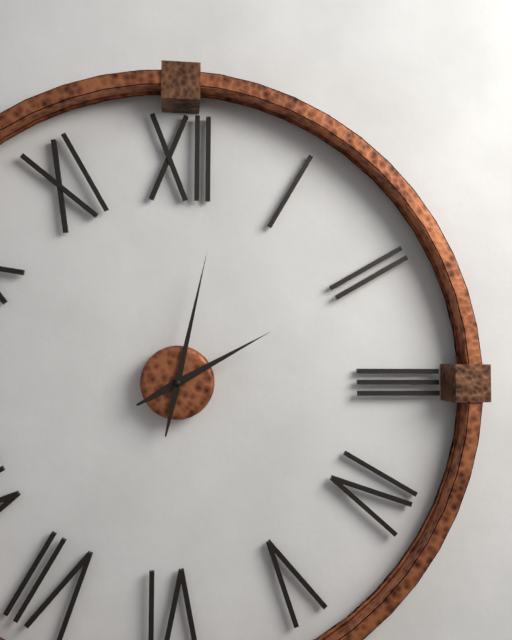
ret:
2:02
